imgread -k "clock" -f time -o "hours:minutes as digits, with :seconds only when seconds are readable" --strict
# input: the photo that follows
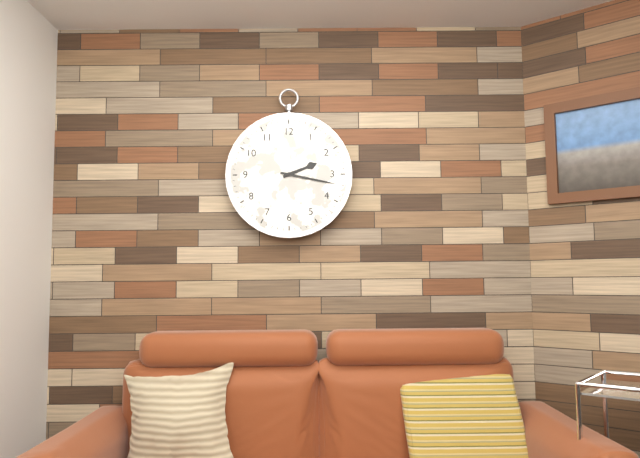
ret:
2:17
